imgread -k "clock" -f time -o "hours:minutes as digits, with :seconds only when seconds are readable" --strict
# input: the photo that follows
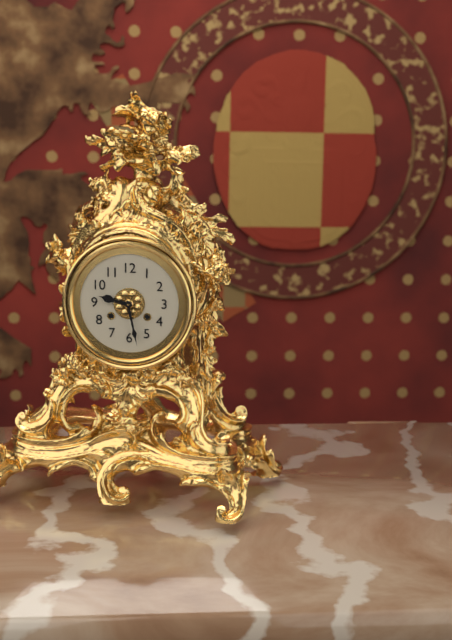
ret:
9:28
